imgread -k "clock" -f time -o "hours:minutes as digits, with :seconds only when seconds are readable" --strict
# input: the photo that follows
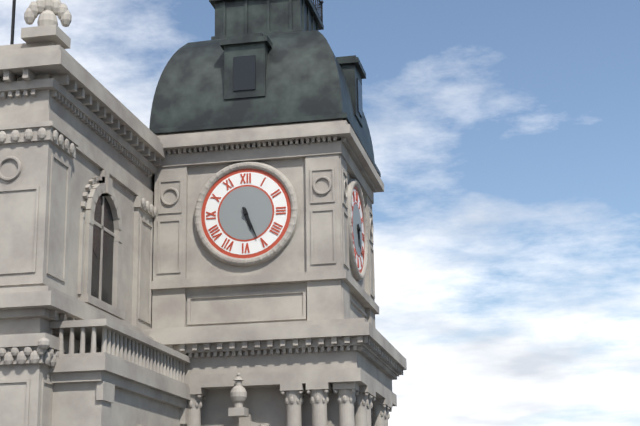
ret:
5:26
